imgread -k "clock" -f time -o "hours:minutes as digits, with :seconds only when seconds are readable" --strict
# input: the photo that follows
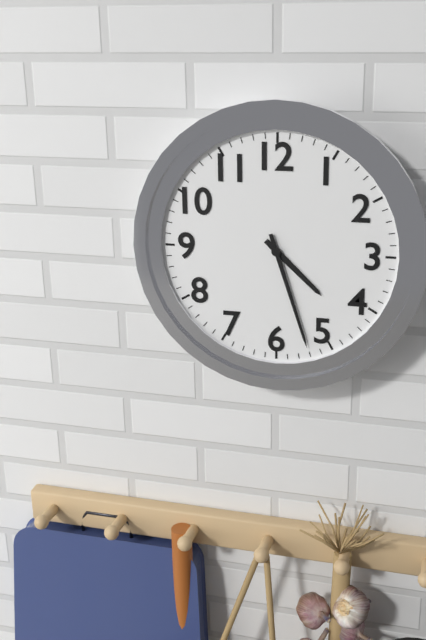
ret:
4:27
